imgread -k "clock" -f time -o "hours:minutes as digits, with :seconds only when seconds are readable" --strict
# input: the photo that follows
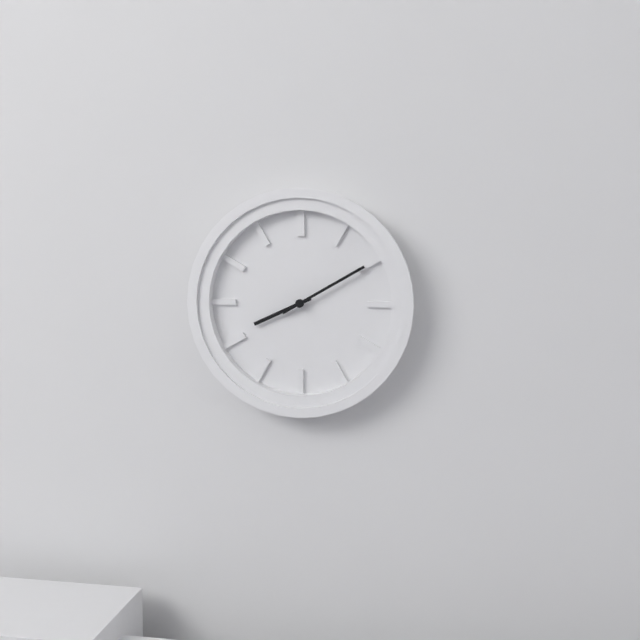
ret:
8:10
